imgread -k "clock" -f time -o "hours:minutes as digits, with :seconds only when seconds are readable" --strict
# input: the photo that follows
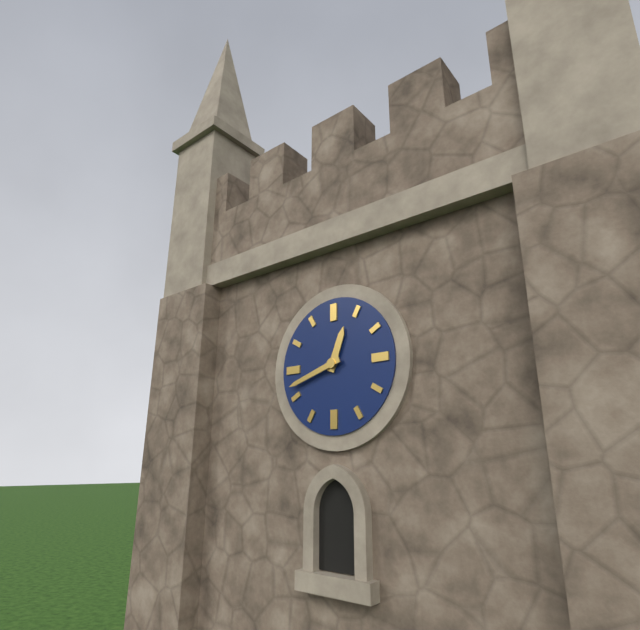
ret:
12:42
